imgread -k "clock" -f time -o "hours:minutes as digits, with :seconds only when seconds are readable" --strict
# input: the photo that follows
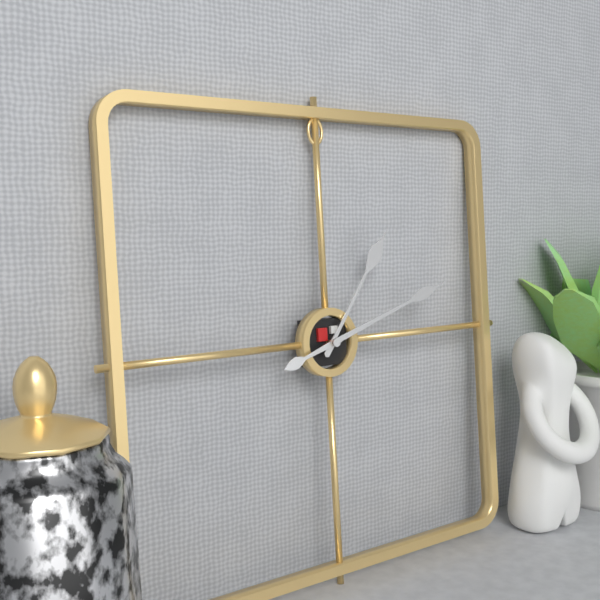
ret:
1:12
